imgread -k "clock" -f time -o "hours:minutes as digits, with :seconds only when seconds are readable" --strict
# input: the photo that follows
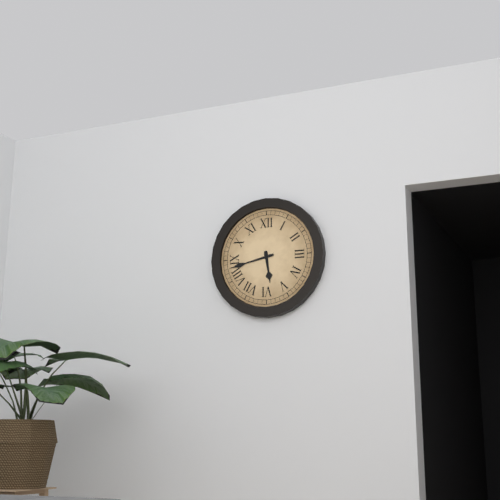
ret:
5:43
